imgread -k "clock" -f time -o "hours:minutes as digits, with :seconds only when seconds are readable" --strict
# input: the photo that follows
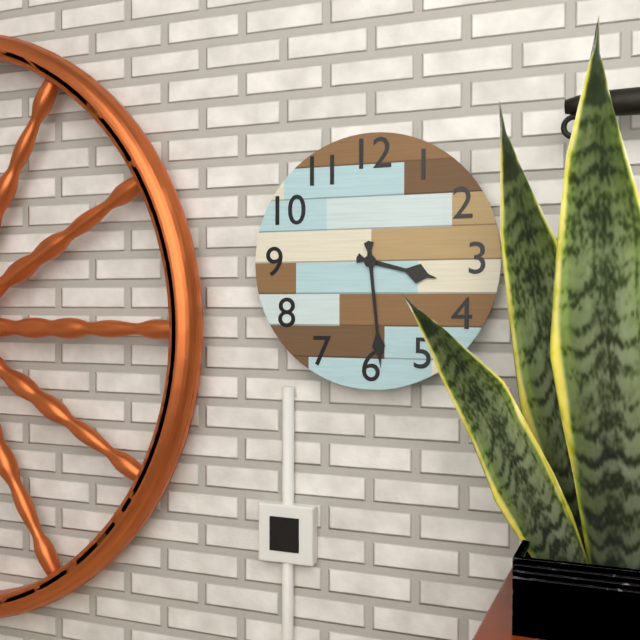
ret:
3:29
